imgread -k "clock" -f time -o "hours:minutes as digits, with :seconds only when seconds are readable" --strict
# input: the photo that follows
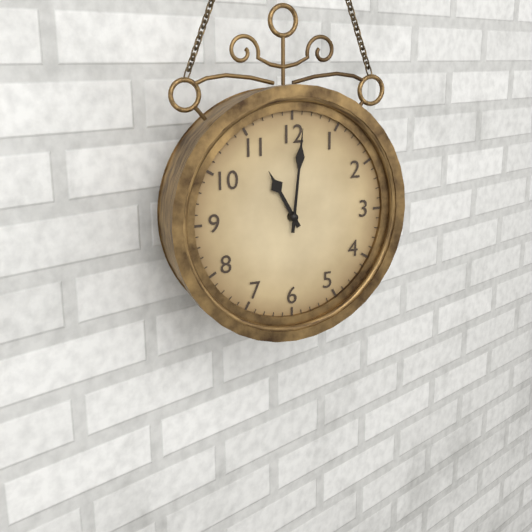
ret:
11:01
